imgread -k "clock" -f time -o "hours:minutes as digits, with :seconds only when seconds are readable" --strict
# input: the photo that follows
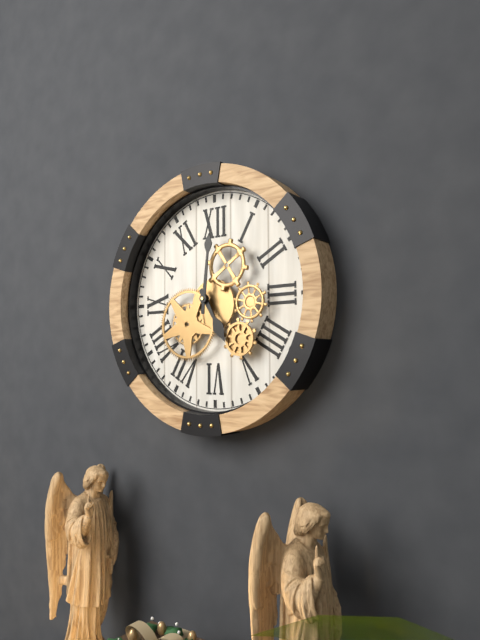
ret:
5:01
